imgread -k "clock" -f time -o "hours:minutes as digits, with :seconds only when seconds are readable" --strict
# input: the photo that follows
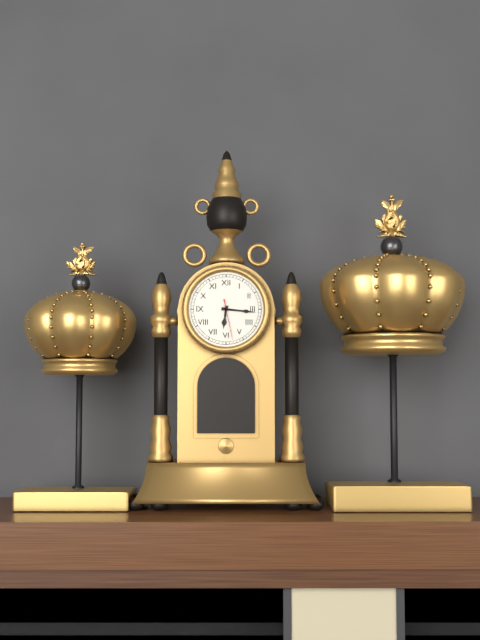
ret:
6:16
